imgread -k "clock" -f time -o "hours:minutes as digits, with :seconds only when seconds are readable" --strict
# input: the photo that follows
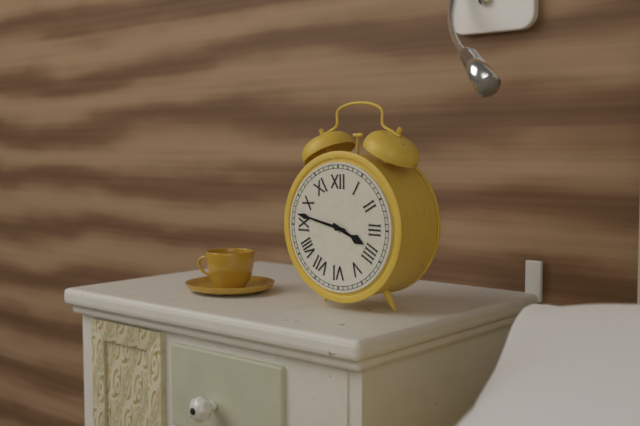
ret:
3:47
